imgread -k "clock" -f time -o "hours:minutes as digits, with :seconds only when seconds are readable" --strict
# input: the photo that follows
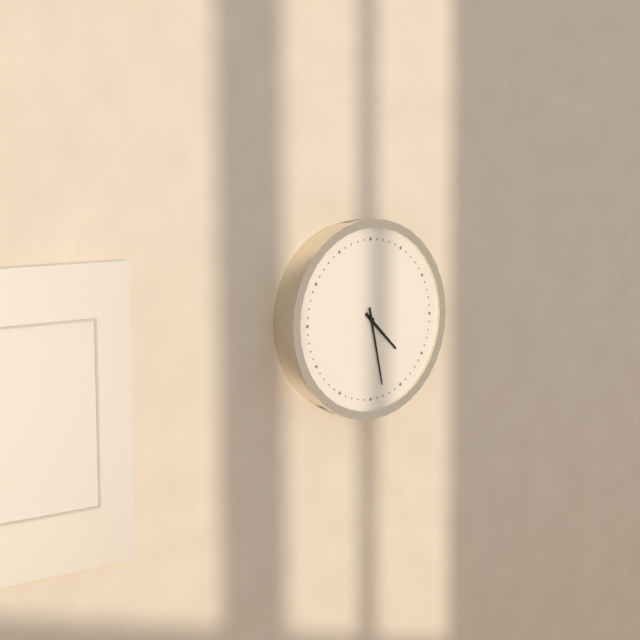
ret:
4:28
